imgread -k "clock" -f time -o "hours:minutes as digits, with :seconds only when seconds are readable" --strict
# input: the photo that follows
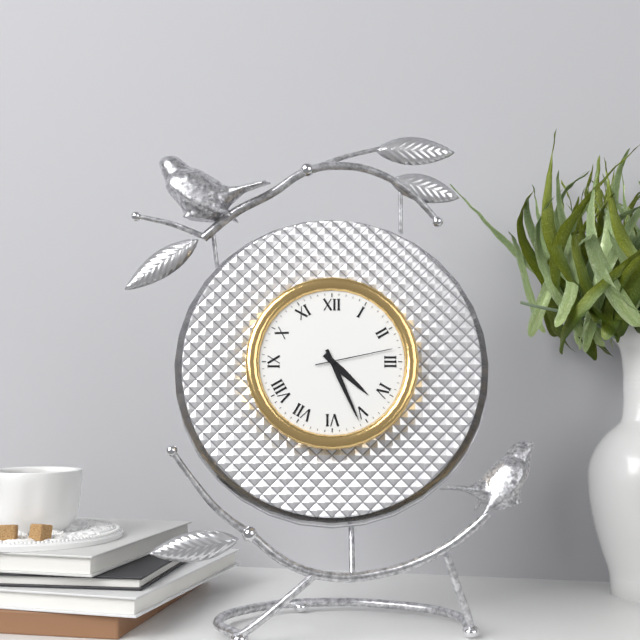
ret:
4:26:13
